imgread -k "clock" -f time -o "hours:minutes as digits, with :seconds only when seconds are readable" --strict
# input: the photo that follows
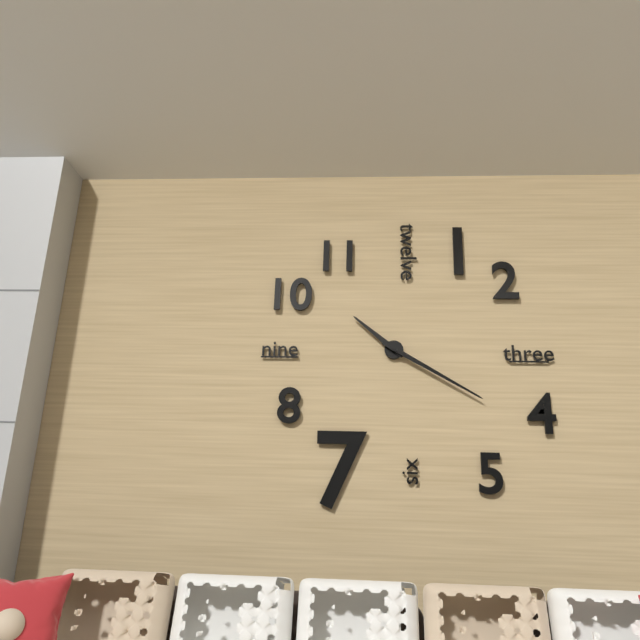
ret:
10:20
